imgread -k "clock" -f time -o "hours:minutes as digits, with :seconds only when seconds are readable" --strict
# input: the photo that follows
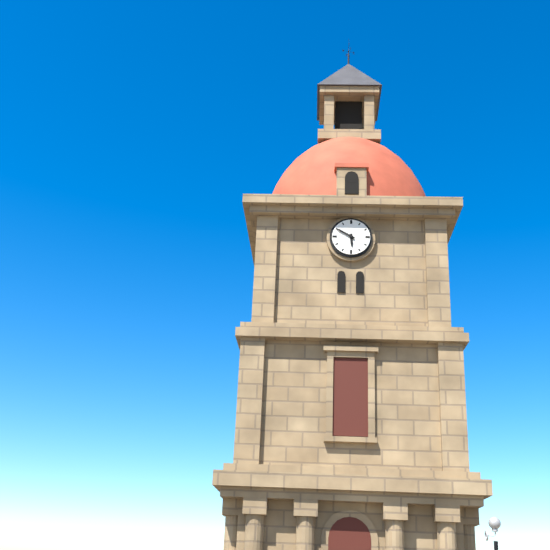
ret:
5:50
